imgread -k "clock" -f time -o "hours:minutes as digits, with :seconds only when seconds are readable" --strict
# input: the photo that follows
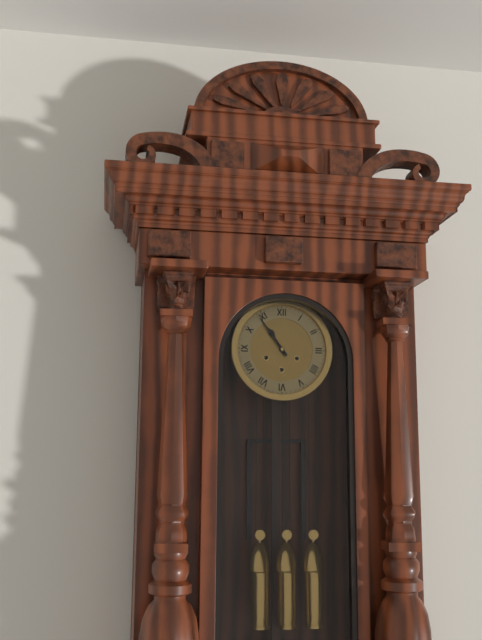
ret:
10:54
